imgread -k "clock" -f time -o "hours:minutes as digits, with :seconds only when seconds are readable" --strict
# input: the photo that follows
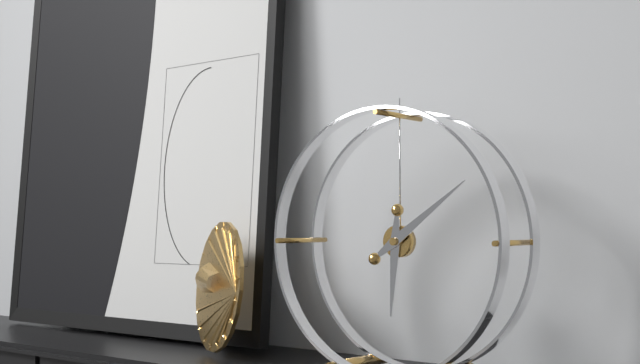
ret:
6:09
